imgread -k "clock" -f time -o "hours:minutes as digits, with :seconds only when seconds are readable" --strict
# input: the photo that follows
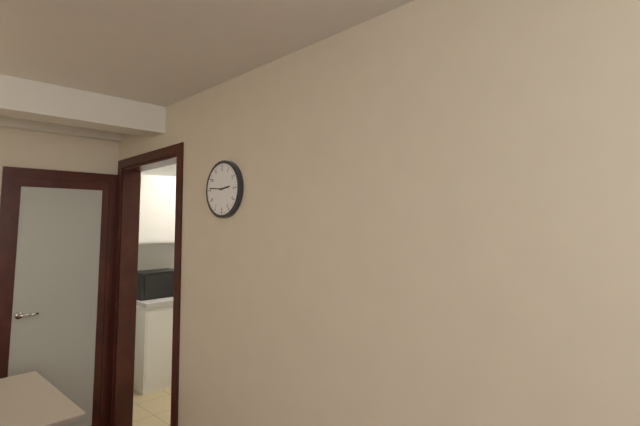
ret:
2:46
